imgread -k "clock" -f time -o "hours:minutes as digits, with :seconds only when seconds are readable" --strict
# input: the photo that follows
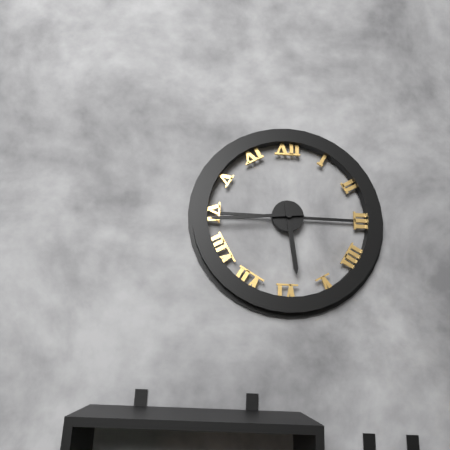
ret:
5:44
